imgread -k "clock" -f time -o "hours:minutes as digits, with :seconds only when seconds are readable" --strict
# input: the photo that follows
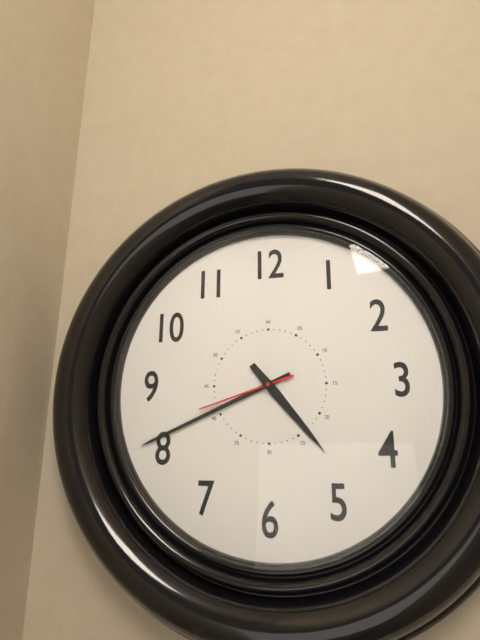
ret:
4:41:42
